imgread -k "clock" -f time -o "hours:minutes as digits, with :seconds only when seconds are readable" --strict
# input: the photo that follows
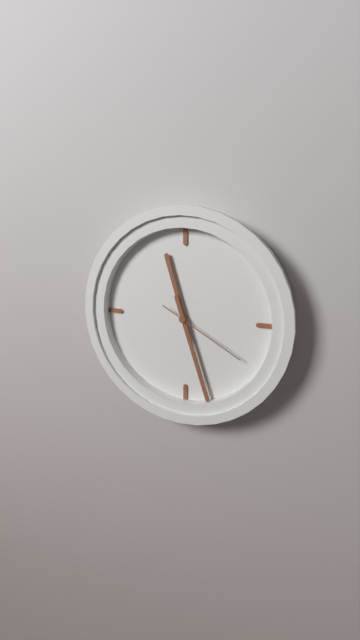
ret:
11:27:20
